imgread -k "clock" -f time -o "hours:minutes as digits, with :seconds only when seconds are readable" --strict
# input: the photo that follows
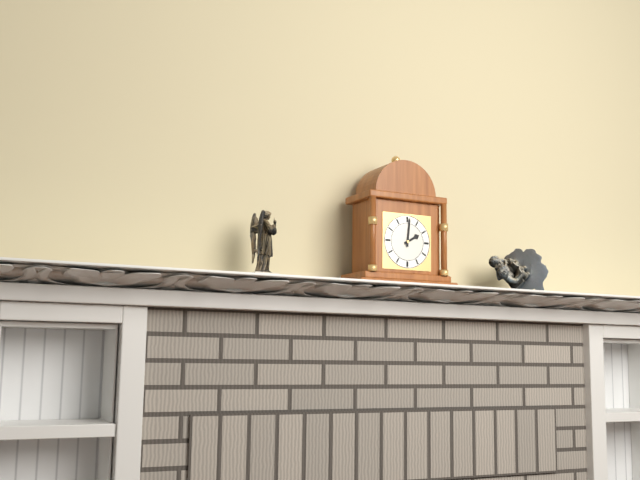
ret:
2:01
